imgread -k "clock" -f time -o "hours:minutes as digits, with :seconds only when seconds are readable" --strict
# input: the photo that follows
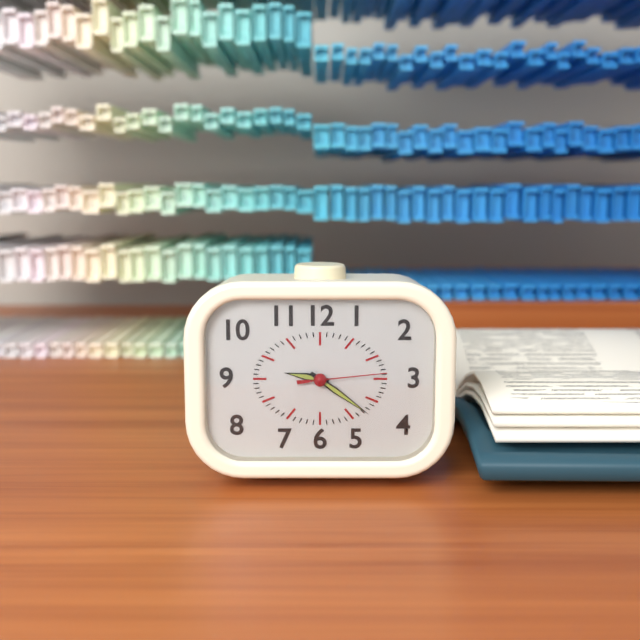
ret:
9:21:14
